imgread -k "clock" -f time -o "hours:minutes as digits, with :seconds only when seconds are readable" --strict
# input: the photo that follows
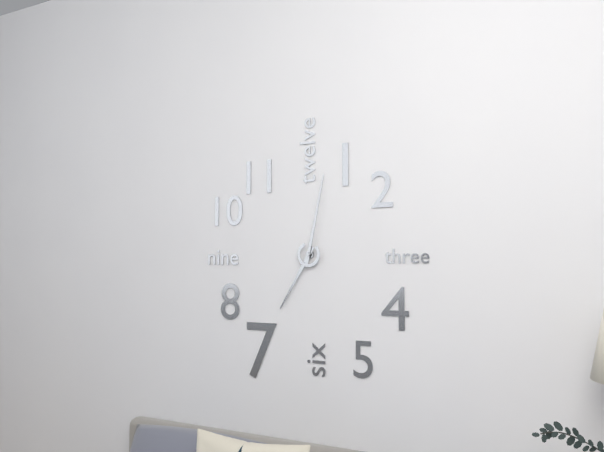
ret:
7:02
